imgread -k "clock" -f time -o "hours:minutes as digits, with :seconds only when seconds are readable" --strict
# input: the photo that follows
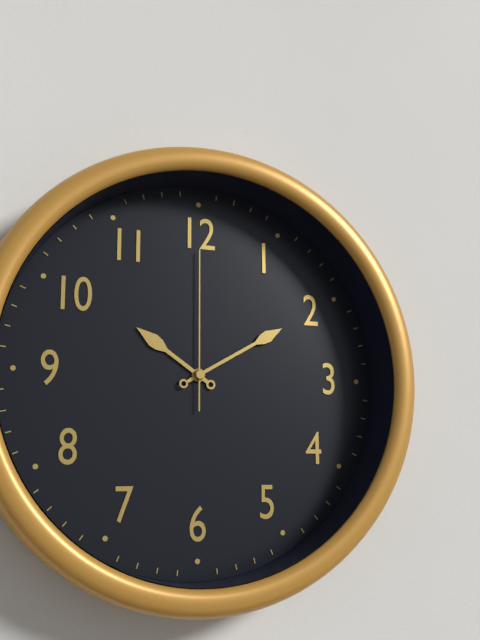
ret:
10:10:00
